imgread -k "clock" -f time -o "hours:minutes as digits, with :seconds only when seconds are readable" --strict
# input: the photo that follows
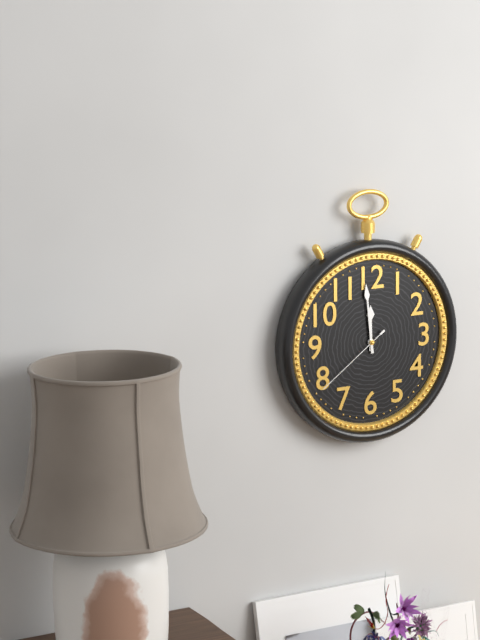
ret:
11:59:39
